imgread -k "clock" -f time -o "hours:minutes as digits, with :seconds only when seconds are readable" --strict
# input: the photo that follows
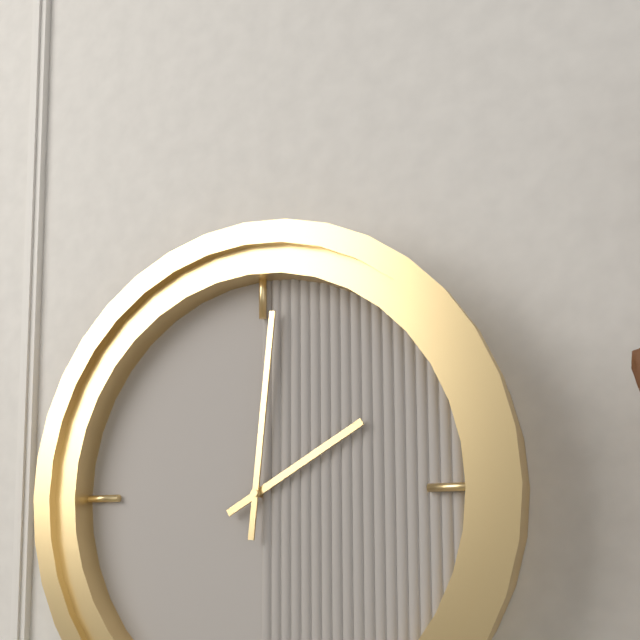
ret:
2:01
